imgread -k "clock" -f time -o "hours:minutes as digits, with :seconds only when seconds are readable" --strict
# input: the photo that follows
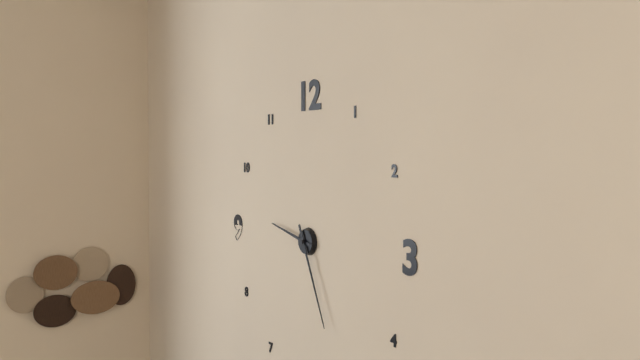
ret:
9:26
